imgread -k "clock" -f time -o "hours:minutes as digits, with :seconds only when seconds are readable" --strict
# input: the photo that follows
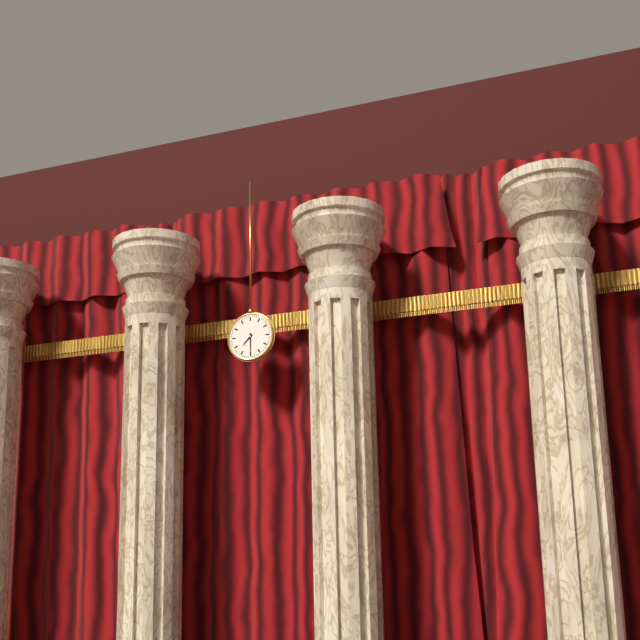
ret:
7:30
